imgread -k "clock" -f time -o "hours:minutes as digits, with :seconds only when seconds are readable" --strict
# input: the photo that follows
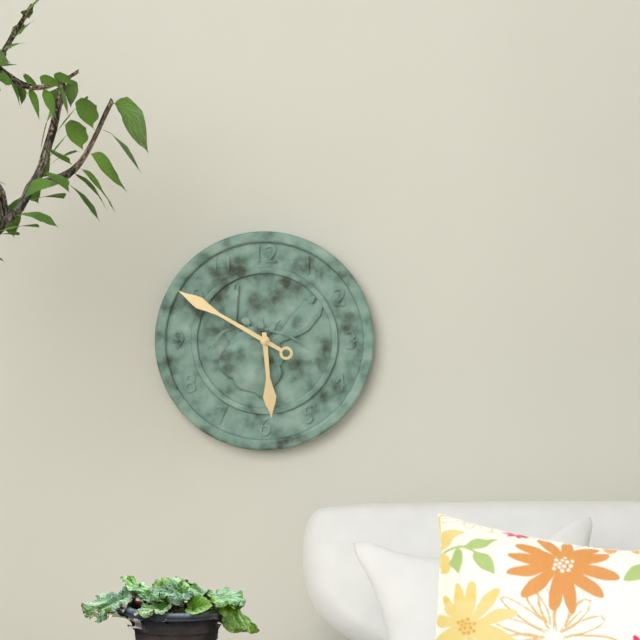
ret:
5:50
